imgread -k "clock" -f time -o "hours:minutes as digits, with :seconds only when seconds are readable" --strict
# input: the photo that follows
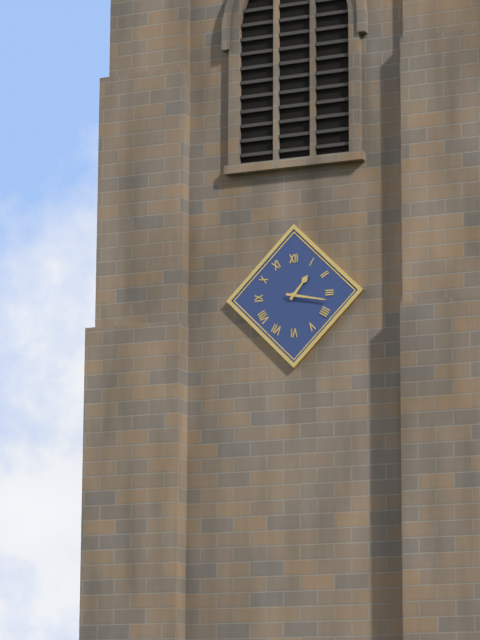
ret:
1:17
